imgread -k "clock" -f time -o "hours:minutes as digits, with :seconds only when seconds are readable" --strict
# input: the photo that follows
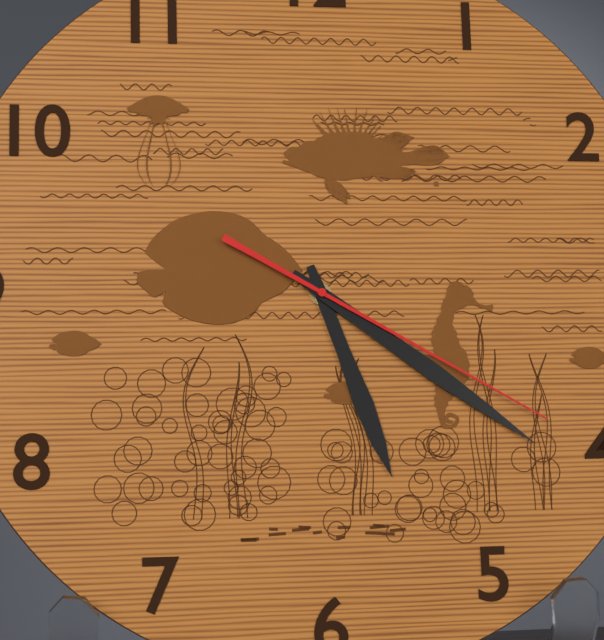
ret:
5:21:20
